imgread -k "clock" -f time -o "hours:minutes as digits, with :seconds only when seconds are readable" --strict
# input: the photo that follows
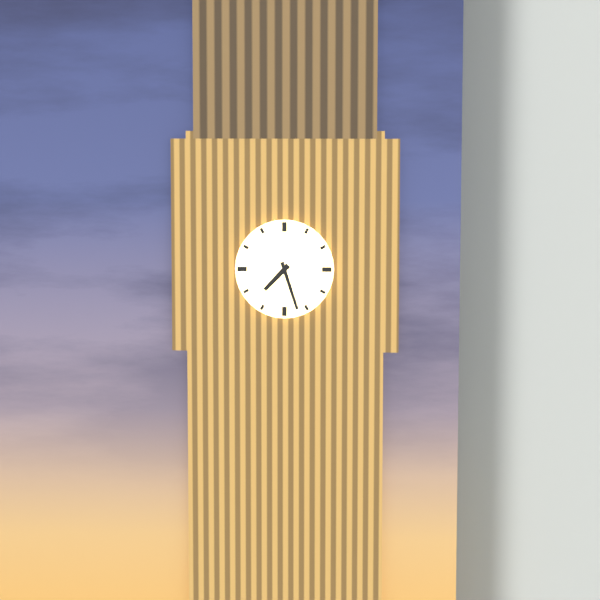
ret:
7:27
